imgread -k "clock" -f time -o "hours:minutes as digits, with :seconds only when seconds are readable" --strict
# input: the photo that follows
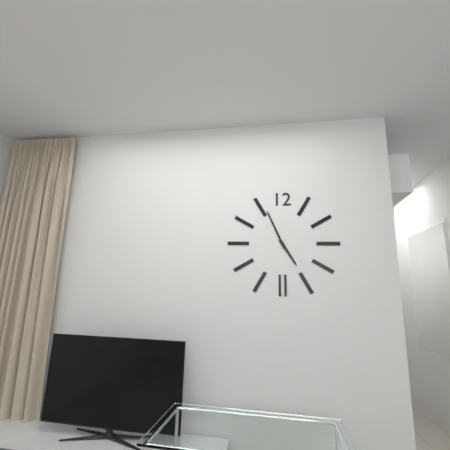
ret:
4:56
